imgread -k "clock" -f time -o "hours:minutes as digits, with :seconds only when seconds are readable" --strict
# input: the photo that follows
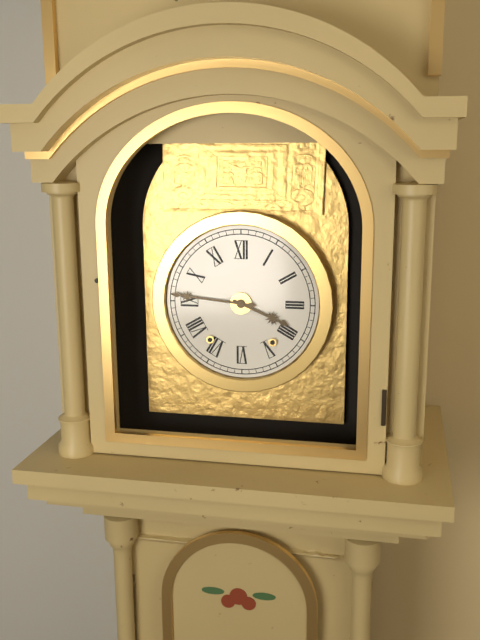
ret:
3:46
